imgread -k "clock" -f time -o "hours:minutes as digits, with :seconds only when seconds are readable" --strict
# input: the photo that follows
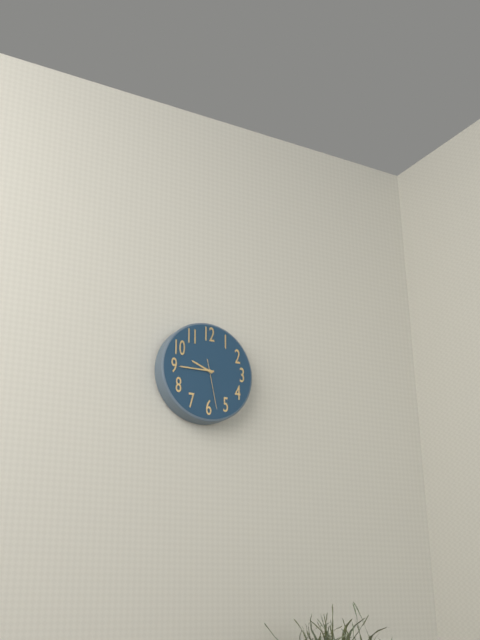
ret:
9:45:28
